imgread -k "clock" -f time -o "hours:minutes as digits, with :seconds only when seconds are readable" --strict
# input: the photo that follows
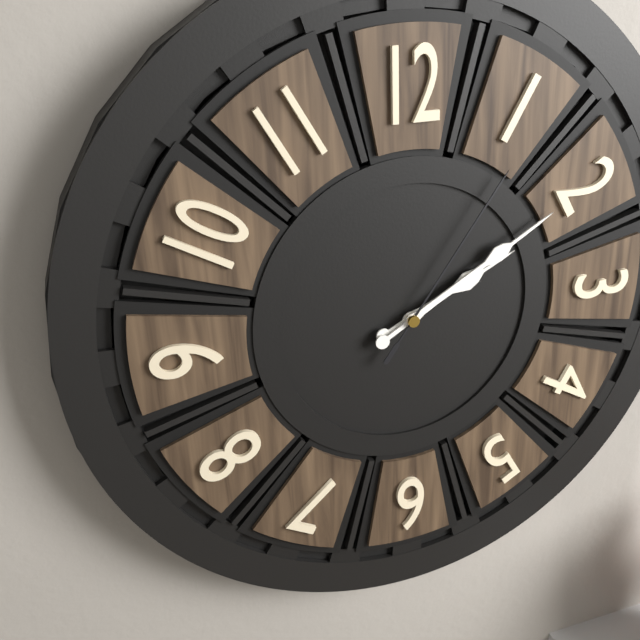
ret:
2:10:06
